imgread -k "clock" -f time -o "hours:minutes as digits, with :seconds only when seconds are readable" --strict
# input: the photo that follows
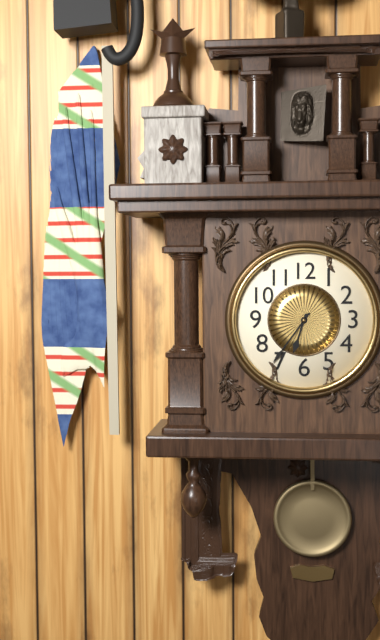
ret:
6:36
